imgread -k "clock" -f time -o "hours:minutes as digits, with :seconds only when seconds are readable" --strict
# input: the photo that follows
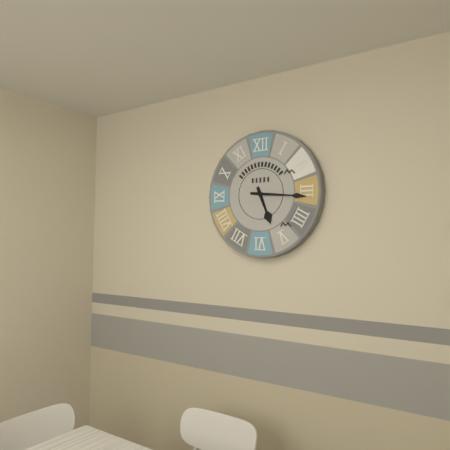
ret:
5:16
